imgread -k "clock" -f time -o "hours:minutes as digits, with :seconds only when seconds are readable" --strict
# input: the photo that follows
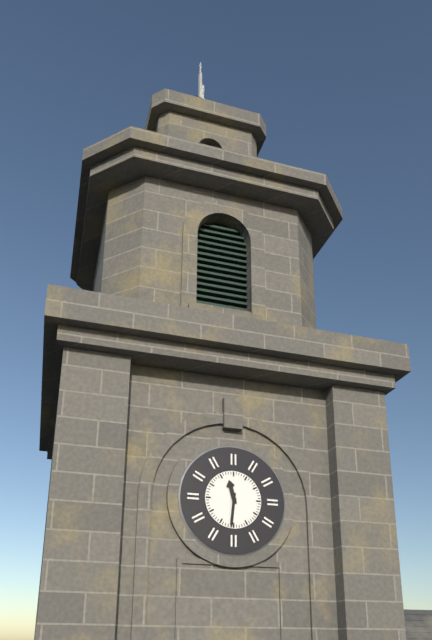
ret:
11:31
